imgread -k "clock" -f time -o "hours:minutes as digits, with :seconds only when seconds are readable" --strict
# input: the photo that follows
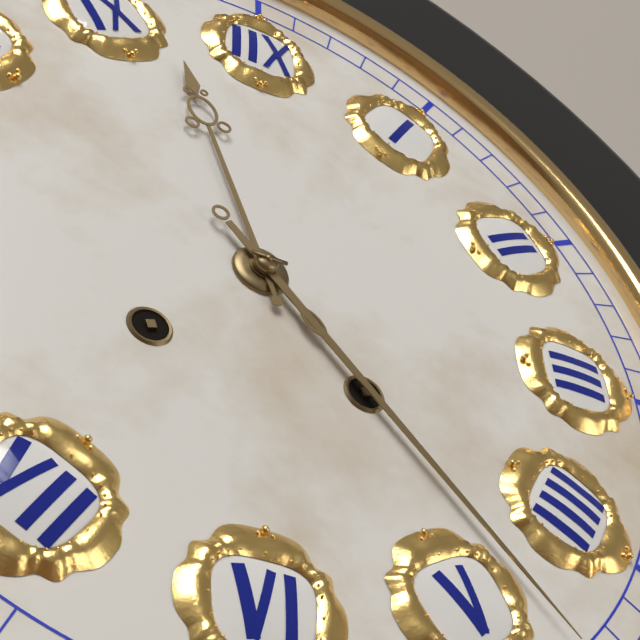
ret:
11:23
